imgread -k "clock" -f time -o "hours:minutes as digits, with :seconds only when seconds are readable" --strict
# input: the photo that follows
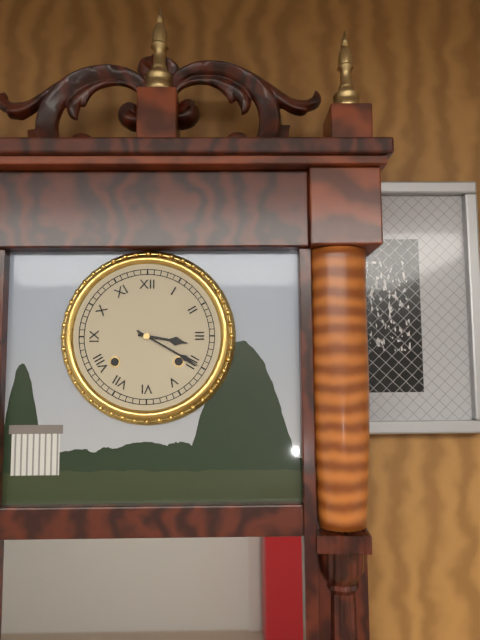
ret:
3:20
